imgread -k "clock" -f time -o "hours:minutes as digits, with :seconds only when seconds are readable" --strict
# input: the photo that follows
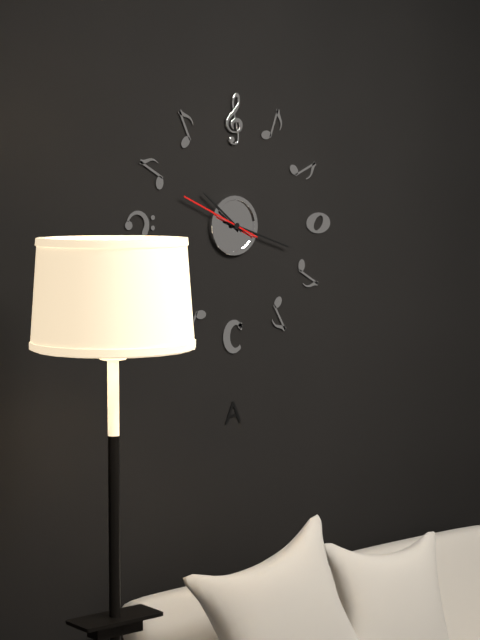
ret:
10:18:49
